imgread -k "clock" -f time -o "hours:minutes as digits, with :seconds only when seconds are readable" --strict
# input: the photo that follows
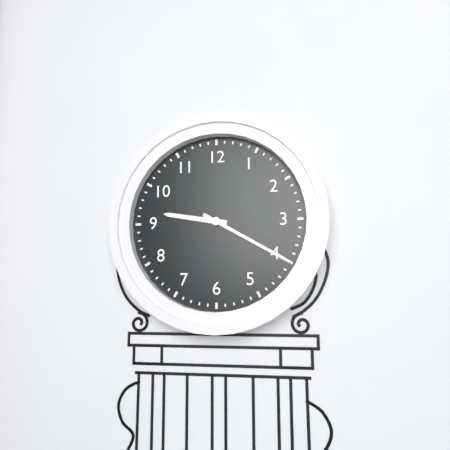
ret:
9:20
